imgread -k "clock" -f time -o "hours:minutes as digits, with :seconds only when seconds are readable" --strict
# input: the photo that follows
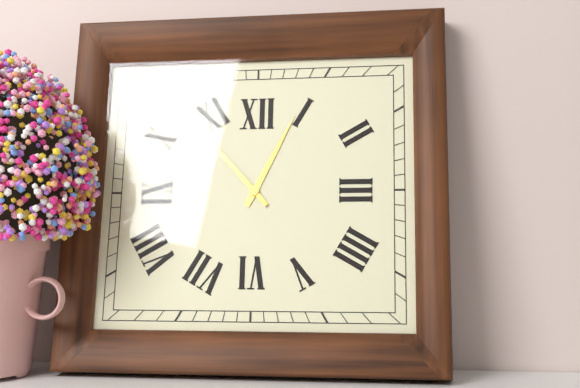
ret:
12:53
